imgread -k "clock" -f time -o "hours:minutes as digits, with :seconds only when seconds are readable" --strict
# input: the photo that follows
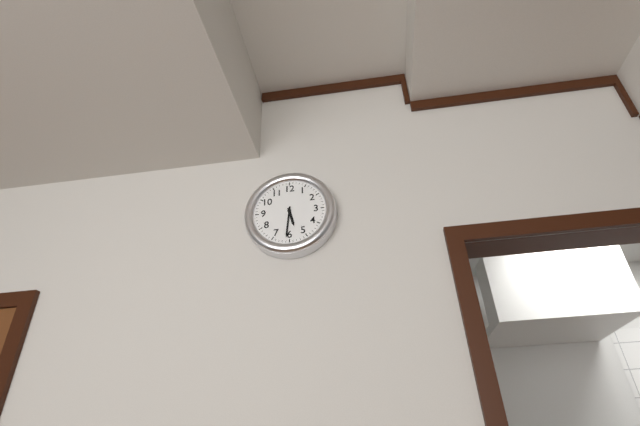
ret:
5:31
